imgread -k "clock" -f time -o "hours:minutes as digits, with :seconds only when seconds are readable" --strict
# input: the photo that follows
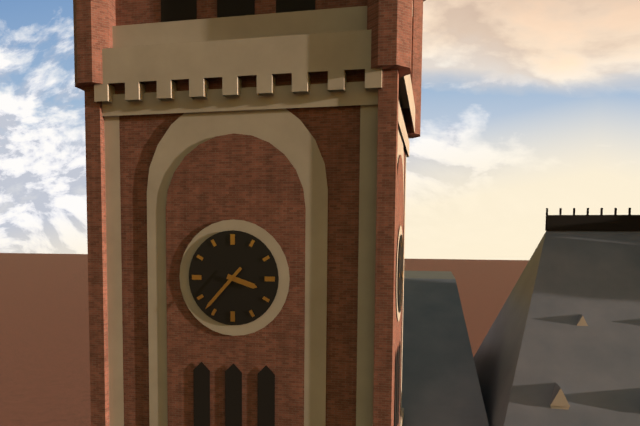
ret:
3:37
